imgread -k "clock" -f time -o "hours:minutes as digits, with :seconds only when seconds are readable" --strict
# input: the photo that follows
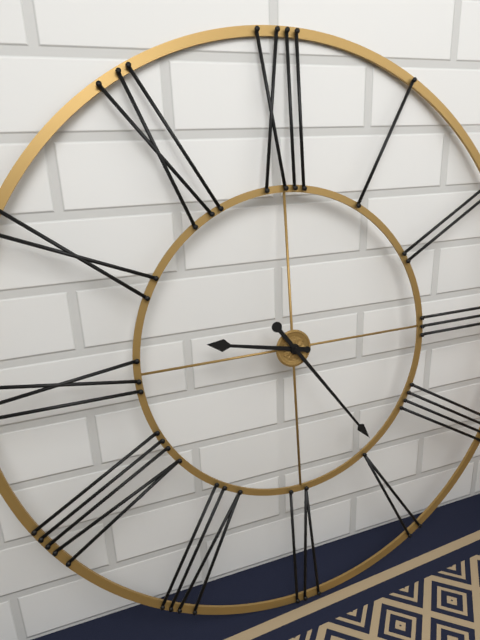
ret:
9:24
